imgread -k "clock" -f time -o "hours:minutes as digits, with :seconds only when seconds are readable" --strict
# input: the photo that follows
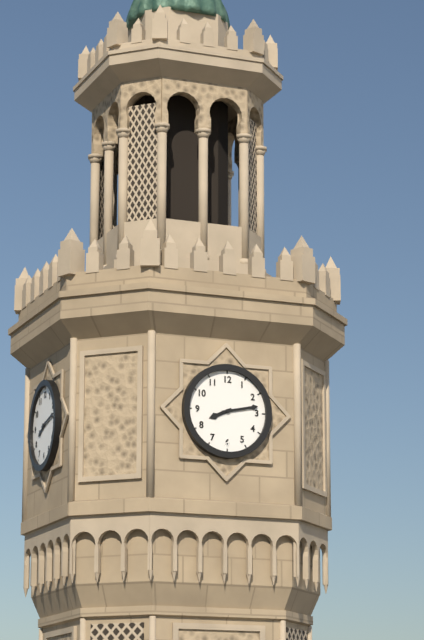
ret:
8:13
